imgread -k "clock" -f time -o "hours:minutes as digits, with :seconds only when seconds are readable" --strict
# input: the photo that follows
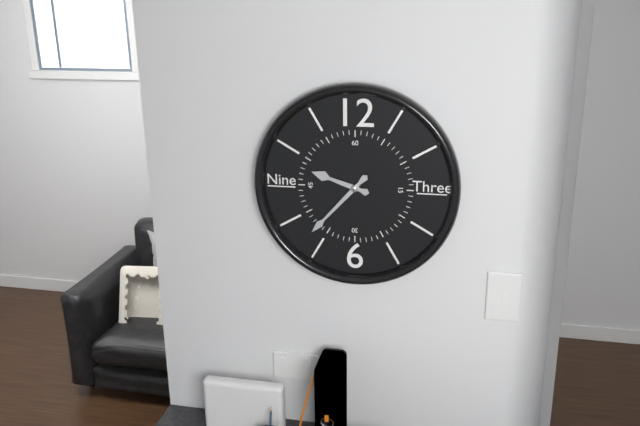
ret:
9:37
